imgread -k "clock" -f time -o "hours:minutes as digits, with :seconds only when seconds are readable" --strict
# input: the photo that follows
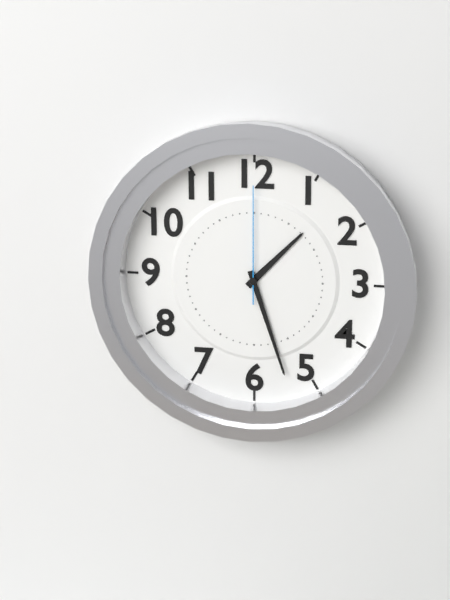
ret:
1:27:00
